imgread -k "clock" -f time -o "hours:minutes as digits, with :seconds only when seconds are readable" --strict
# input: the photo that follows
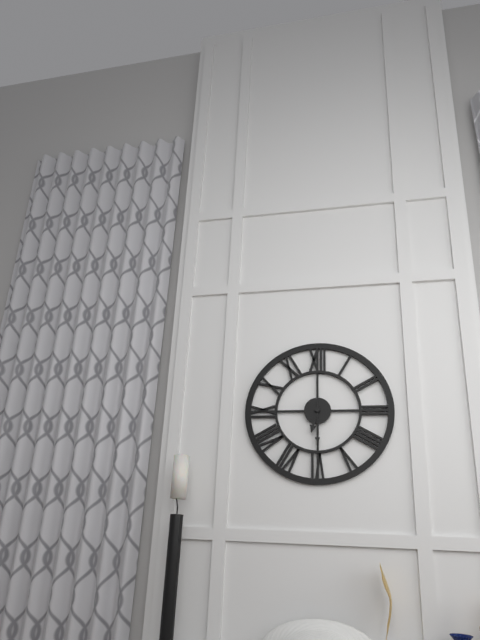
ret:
6:30
